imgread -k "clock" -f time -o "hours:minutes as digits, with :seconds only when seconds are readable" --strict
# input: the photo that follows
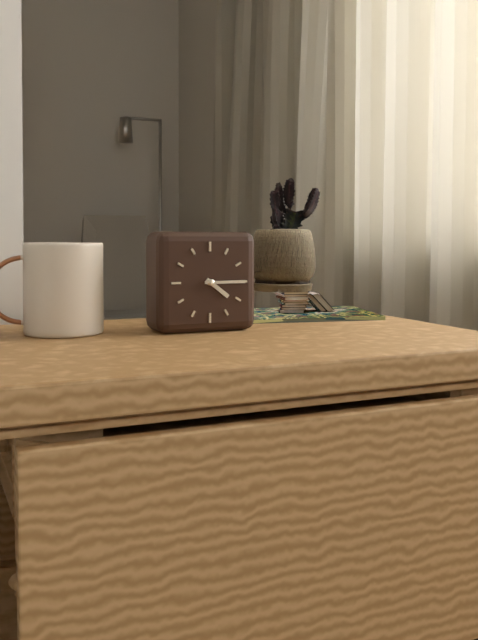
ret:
4:15
